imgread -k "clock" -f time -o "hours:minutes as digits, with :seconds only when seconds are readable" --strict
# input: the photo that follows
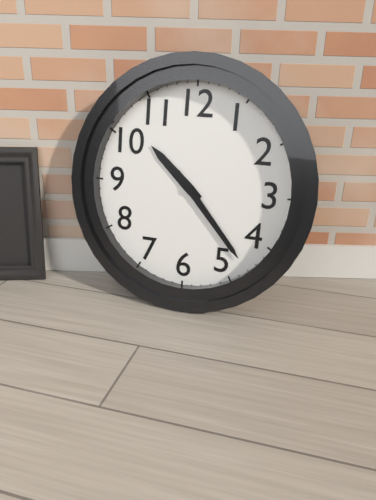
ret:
10:23
